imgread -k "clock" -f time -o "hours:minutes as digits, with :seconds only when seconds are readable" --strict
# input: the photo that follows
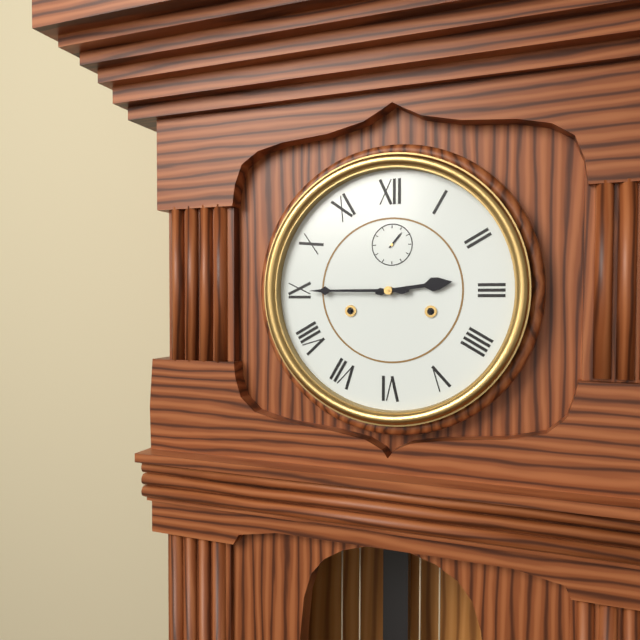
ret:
2:45
